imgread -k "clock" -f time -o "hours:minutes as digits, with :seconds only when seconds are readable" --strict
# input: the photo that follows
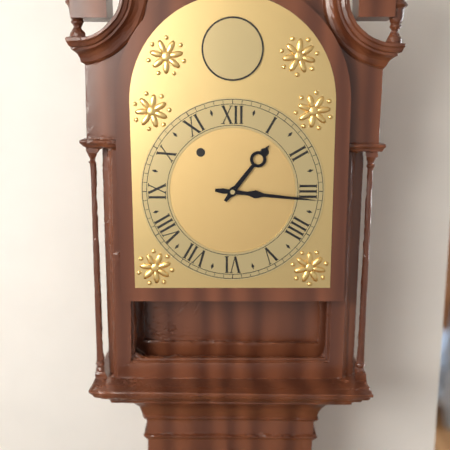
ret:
1:16
